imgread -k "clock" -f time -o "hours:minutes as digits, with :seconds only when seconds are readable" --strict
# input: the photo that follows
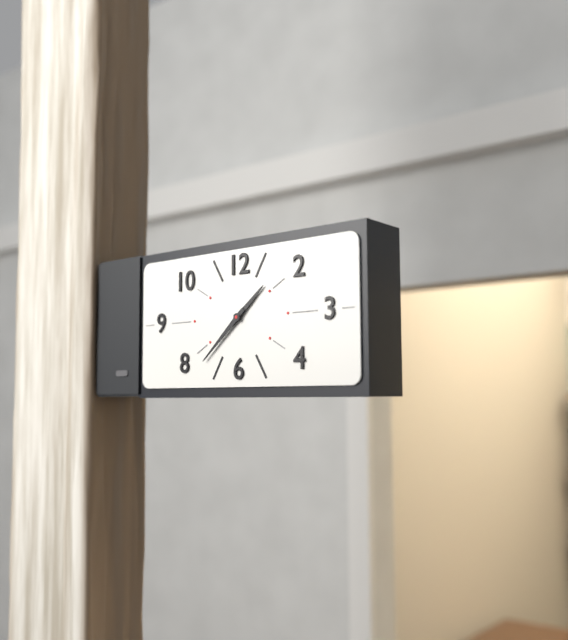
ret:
1:38
